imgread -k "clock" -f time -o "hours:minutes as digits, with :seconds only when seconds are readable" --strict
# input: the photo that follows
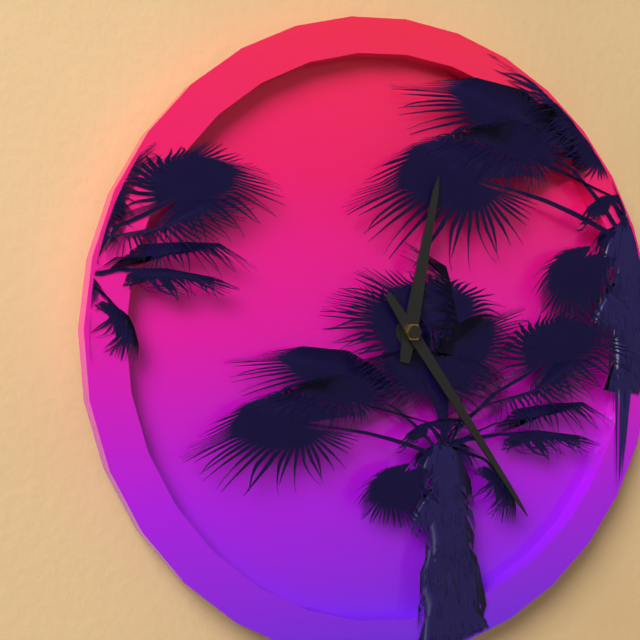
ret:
12:24
